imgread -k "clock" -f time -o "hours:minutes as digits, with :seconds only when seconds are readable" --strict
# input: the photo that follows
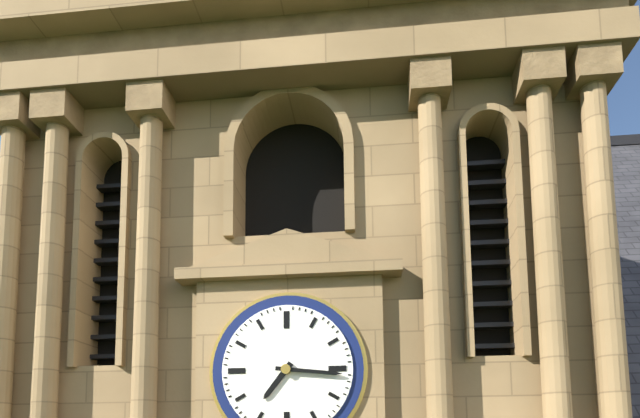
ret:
7:16
